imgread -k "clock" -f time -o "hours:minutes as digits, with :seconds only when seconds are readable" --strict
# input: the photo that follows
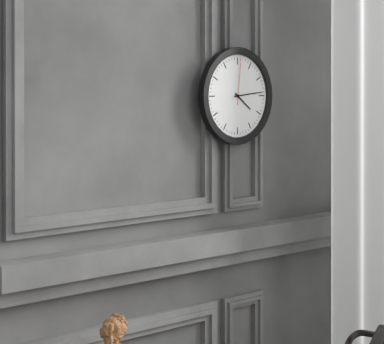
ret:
4:14
